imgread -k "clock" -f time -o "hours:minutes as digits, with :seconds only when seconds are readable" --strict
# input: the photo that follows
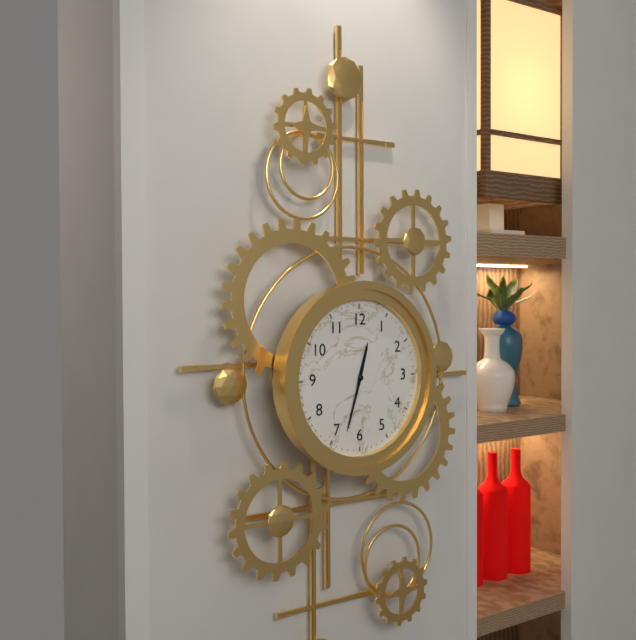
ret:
12:33
